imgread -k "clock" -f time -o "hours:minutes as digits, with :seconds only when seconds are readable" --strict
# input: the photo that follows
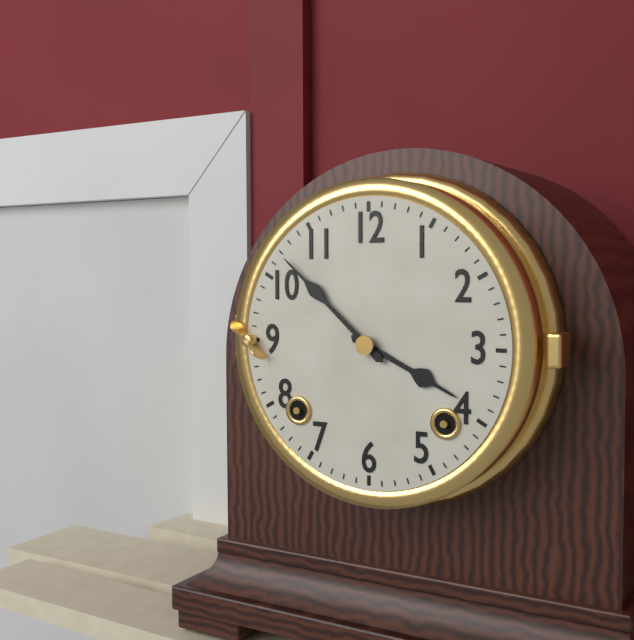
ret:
3:52
